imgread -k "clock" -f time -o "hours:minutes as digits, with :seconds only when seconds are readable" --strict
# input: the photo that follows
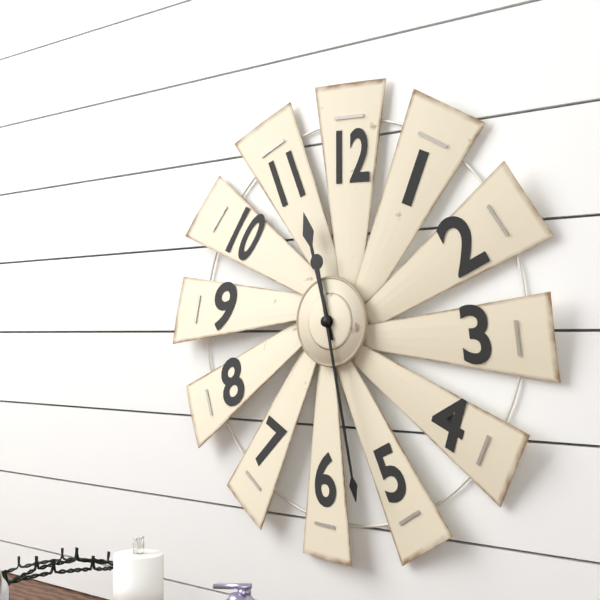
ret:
11:28
